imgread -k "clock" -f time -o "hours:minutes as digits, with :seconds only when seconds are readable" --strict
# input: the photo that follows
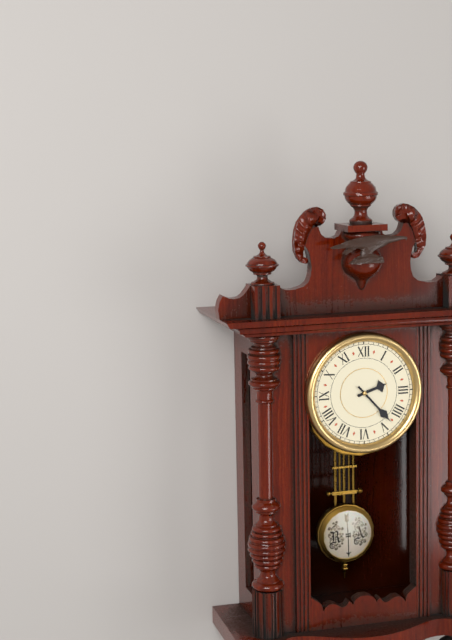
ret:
2:23
